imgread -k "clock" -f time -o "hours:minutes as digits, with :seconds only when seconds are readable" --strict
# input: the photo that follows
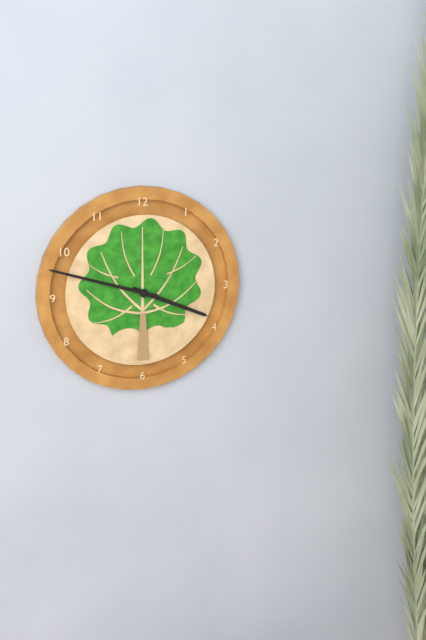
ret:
3:48
